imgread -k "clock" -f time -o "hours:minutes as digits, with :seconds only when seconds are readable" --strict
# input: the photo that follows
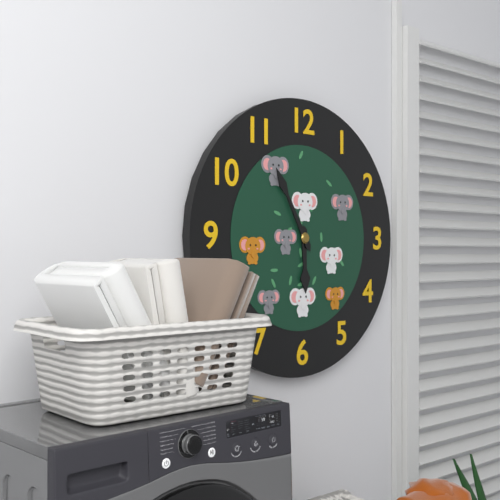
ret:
5:55
